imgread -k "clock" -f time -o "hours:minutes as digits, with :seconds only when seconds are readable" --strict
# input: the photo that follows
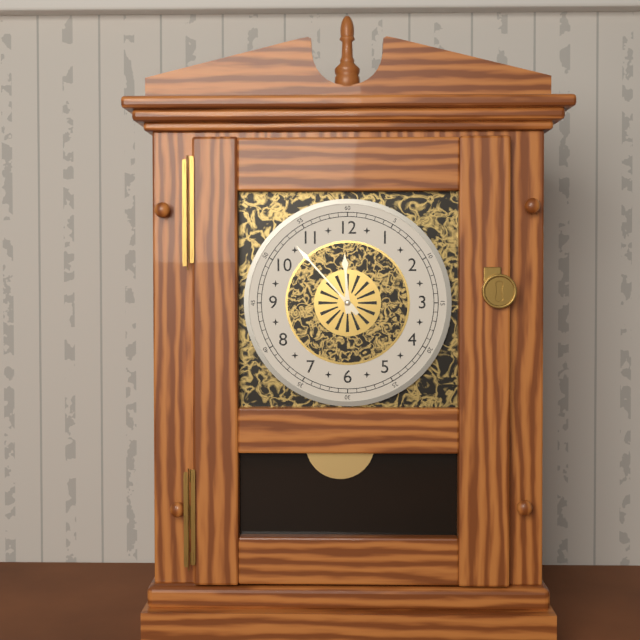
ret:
11:53
